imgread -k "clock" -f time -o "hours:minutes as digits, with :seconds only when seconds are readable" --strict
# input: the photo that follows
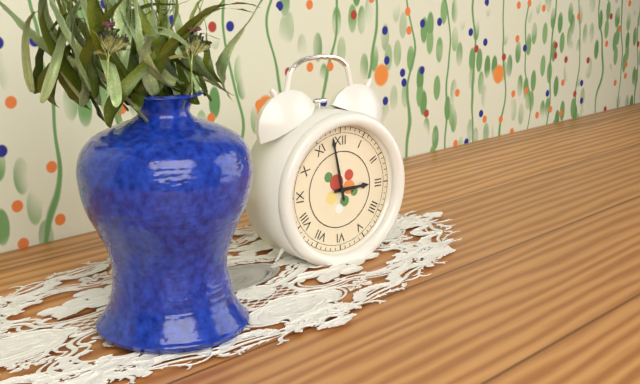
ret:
2:58
